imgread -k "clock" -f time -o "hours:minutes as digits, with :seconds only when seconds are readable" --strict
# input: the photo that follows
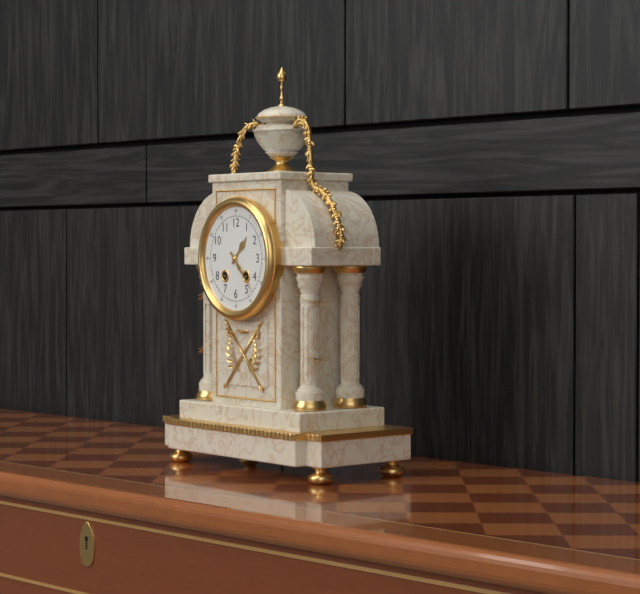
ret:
1:23
